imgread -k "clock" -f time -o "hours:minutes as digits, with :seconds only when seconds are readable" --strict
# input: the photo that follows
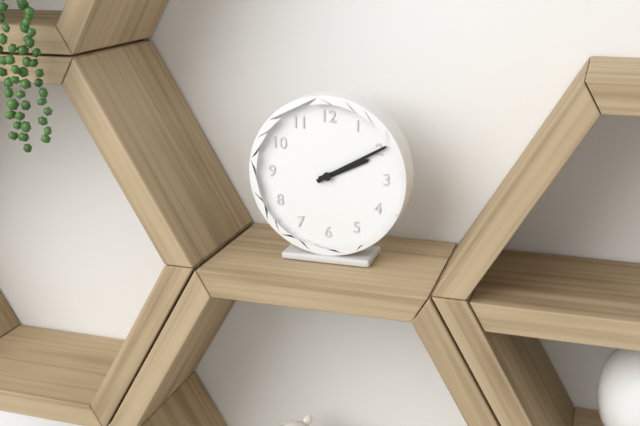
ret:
2:10
